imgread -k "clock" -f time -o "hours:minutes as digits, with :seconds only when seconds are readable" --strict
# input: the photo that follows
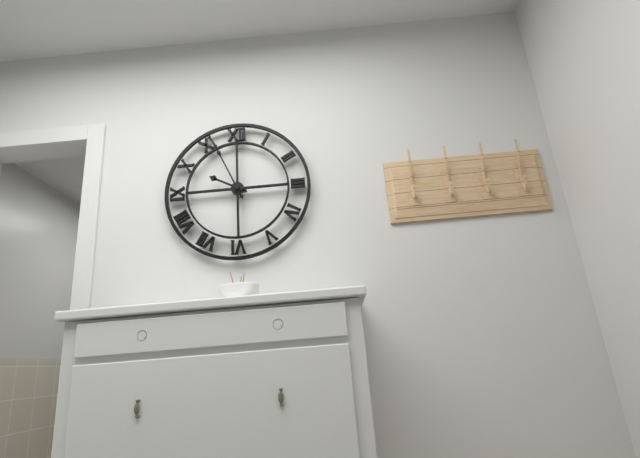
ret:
9:56
